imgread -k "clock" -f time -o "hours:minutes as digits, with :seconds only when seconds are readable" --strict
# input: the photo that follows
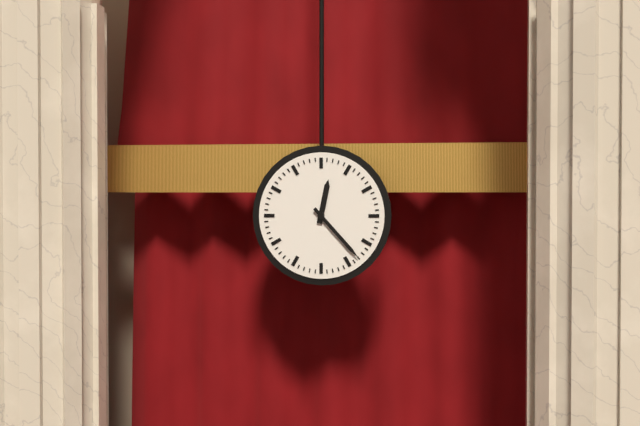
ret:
12:23
